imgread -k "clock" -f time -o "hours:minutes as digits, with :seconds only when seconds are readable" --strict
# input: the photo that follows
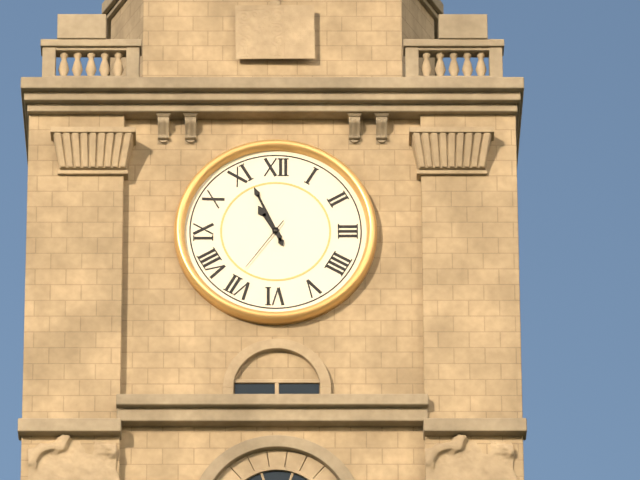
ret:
10:56:36
